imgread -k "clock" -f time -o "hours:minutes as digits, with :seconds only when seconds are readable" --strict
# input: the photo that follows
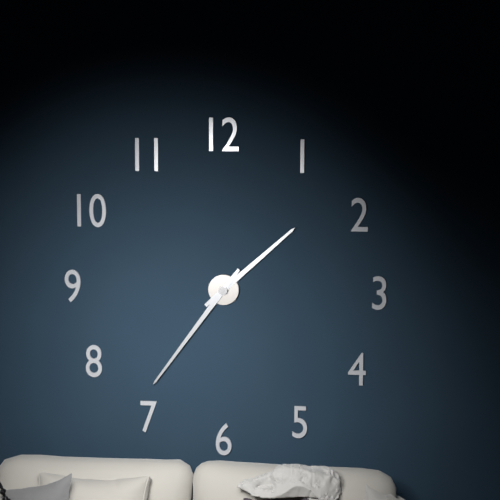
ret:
1:36
